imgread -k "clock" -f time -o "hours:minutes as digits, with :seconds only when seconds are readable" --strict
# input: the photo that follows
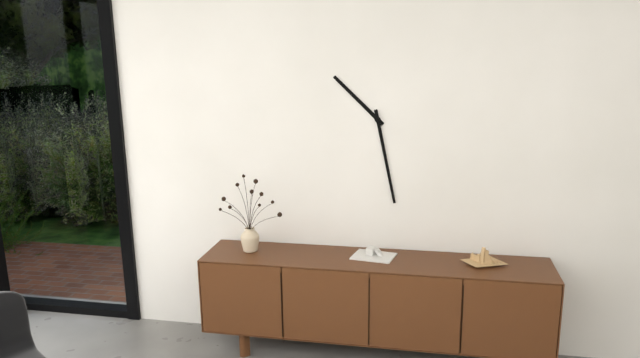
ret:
10:28
